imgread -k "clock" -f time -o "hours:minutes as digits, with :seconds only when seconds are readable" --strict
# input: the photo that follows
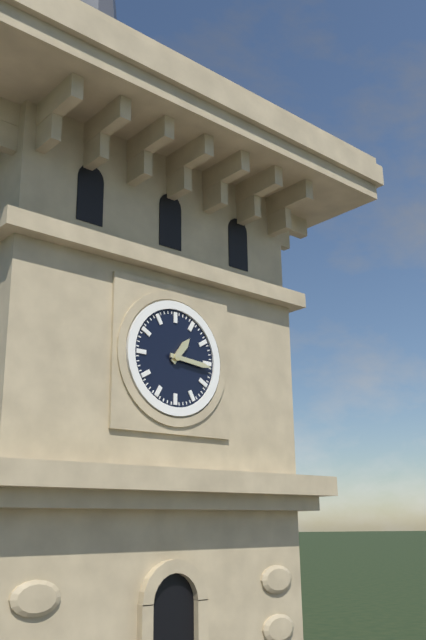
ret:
1:16
